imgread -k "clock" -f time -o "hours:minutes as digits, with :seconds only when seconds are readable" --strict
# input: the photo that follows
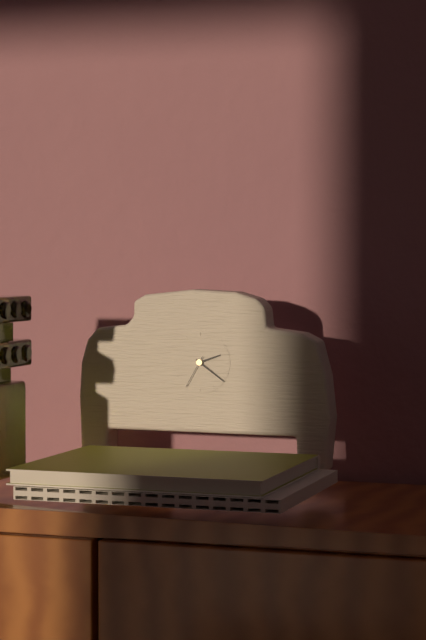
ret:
2:21
